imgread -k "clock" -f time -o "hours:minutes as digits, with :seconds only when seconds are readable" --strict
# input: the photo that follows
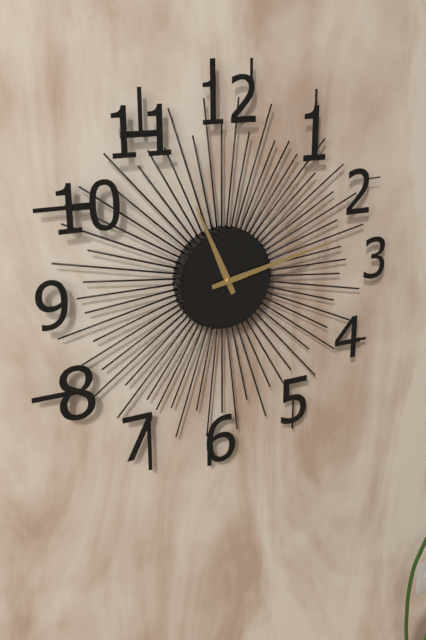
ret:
11:13
